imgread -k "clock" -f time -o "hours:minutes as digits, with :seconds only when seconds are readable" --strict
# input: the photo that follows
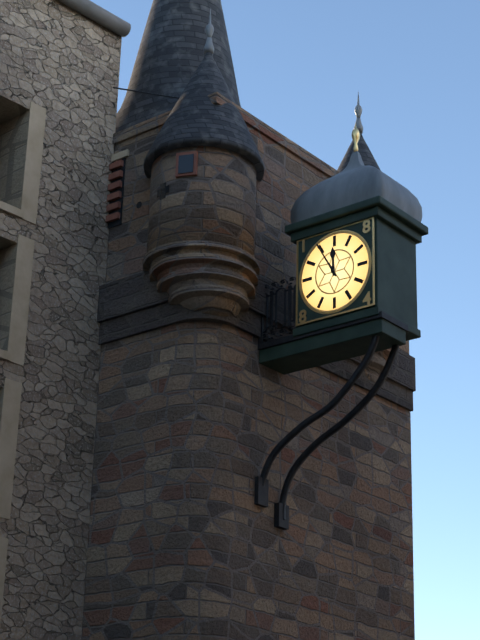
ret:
11:55
